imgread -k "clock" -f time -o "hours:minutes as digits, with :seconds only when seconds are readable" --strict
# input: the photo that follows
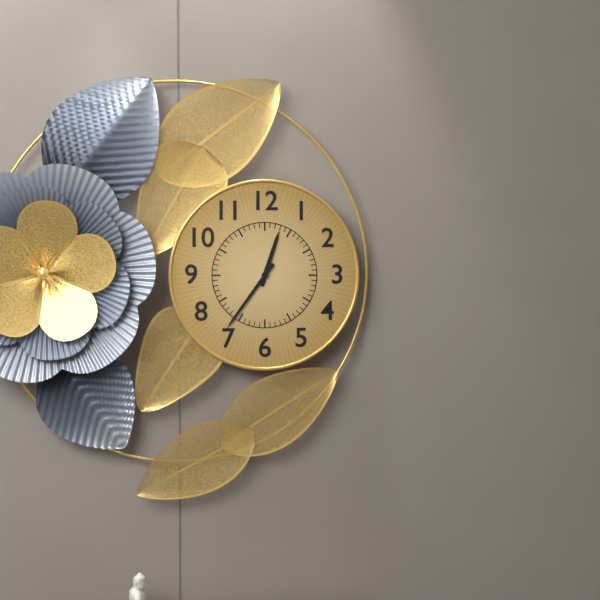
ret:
12:36
